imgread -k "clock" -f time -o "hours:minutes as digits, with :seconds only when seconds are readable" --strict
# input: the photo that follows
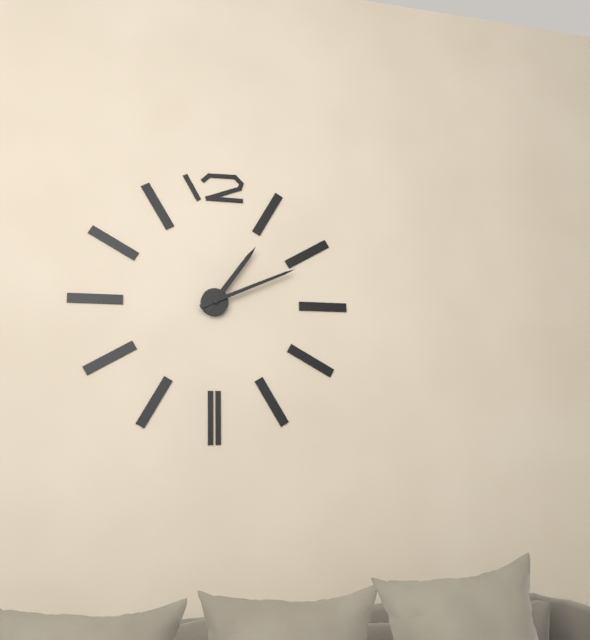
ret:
1:11
